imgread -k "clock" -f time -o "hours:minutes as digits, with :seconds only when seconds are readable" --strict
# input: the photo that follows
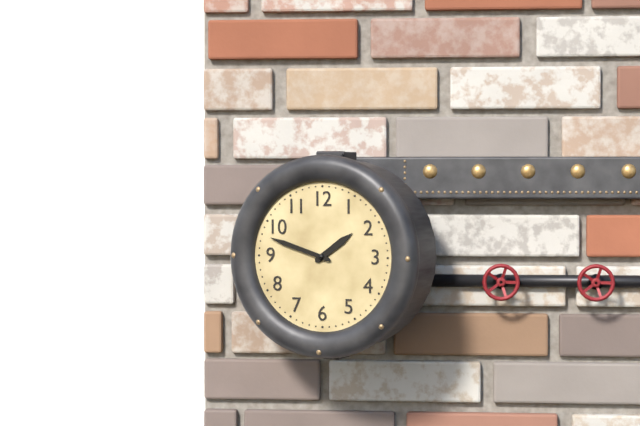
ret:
1:48
